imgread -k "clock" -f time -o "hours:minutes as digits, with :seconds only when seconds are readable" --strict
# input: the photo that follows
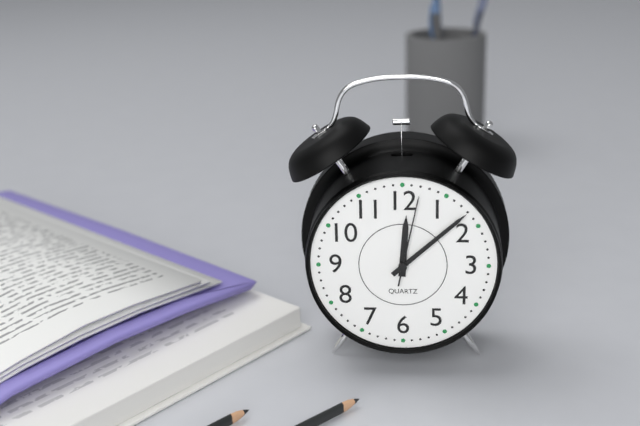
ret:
12:08:02
